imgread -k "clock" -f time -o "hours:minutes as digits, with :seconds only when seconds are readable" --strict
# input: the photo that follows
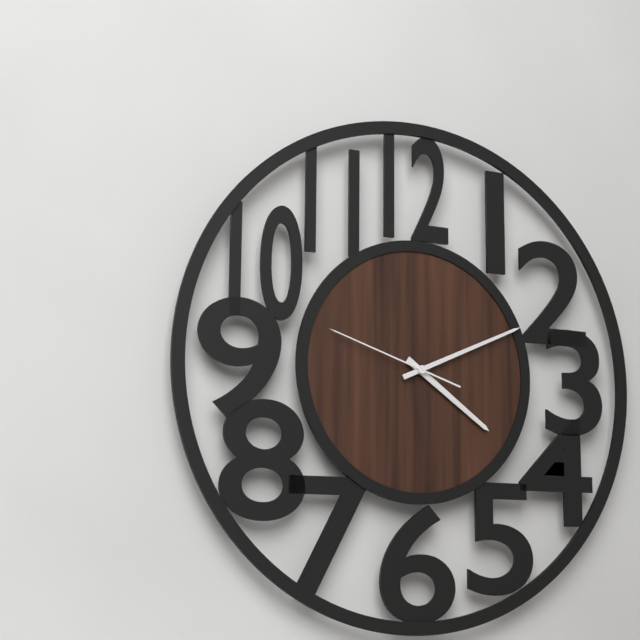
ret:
4:11:48
